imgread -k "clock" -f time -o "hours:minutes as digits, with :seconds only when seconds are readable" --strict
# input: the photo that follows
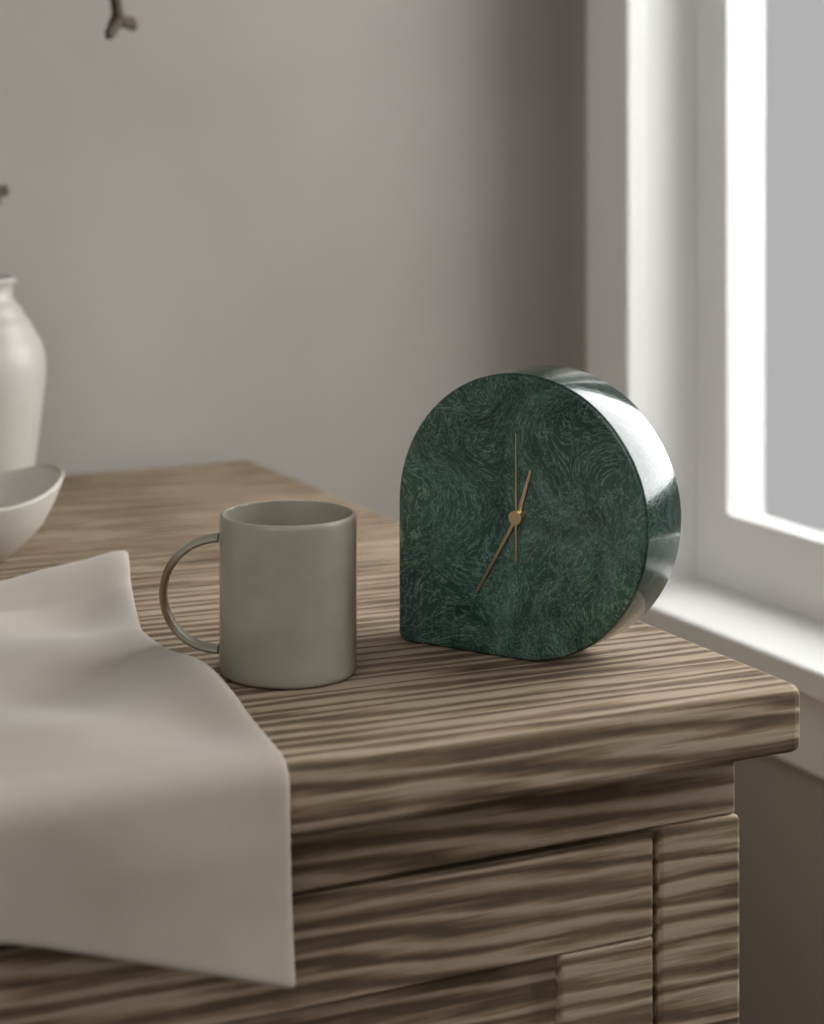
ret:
12:35:00
